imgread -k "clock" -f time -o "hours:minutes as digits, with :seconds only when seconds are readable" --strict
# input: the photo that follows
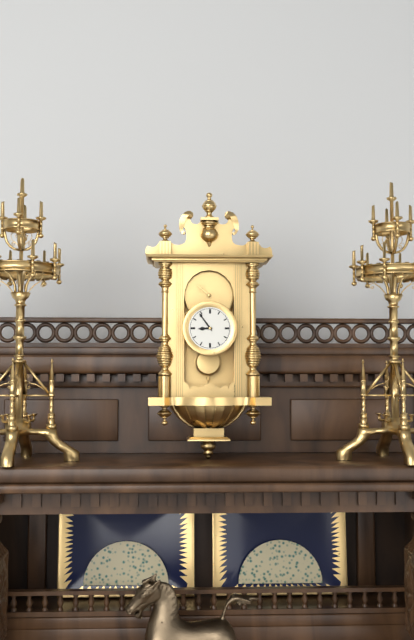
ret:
8:54
